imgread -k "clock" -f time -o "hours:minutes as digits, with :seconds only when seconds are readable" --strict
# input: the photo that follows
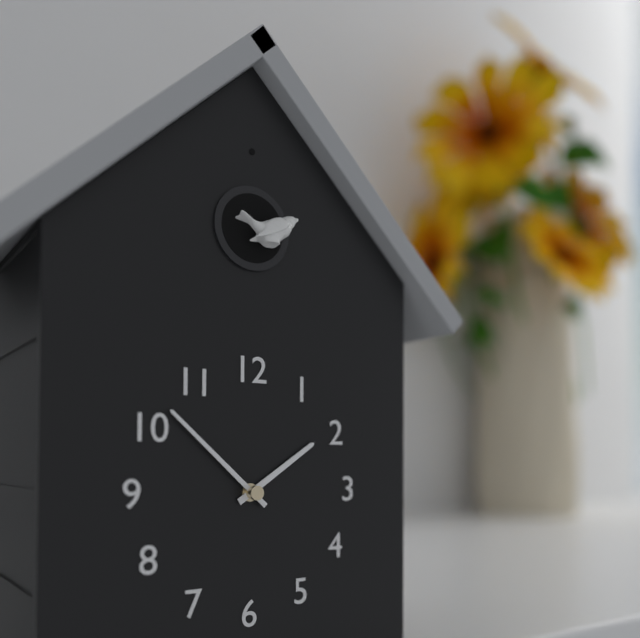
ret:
1:52
